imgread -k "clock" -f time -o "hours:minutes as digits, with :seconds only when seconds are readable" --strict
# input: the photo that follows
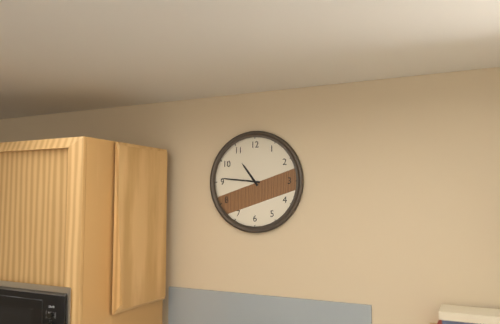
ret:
10:46
